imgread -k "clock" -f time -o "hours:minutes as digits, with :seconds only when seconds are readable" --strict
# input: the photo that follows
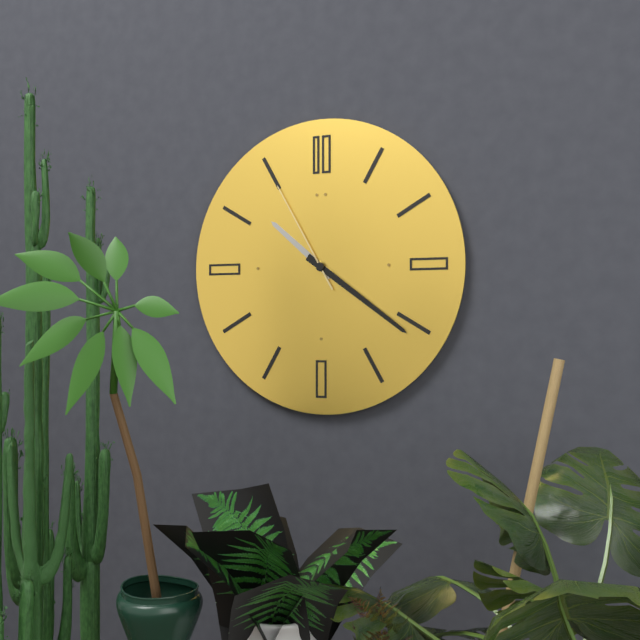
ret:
10:21:55
